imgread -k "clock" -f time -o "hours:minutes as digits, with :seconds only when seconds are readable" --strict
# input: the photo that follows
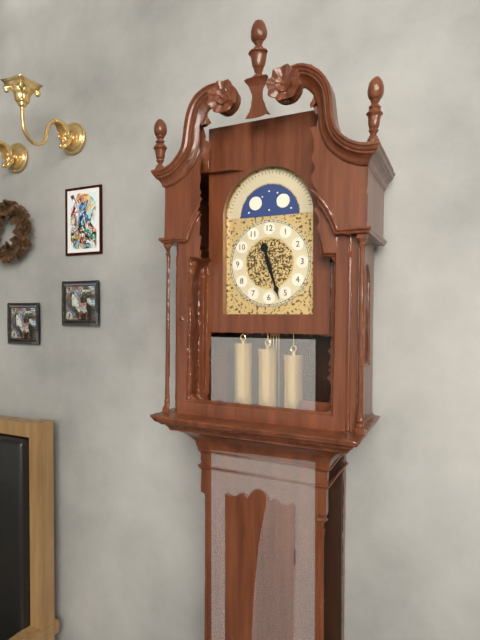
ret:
11:27
